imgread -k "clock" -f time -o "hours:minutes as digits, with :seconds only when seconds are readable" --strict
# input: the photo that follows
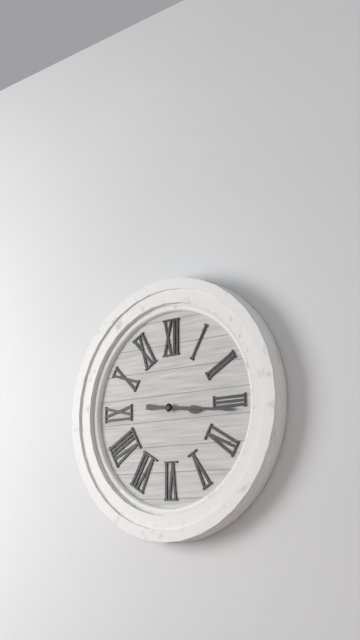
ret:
3:16
